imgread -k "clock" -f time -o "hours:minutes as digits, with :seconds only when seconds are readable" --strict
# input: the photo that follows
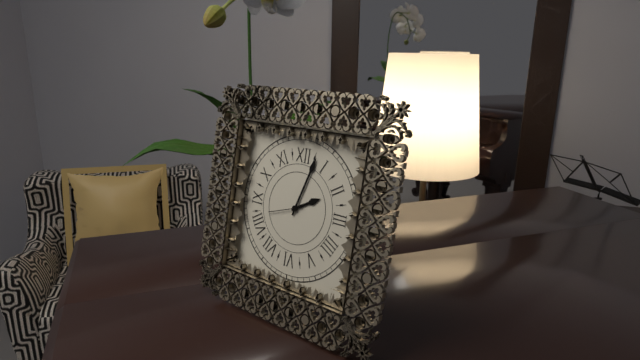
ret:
2:03
